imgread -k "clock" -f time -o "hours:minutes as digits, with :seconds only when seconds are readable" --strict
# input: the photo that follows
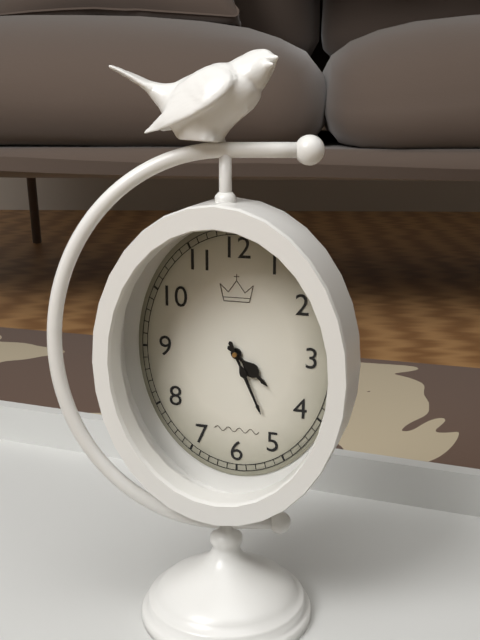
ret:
4:26
